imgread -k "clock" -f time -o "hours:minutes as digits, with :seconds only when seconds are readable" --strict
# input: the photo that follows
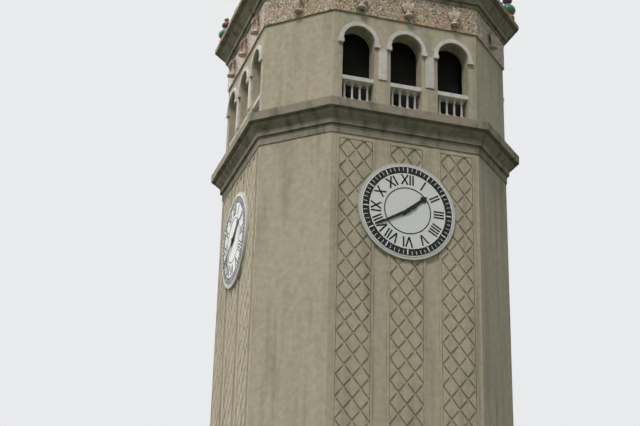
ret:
1:40
